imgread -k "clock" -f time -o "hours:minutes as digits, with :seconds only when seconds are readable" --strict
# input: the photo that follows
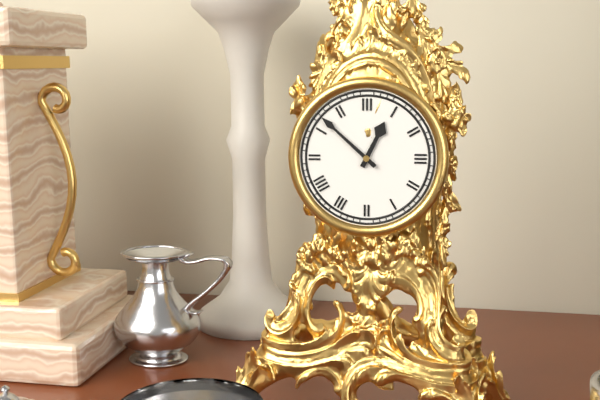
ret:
12:52
